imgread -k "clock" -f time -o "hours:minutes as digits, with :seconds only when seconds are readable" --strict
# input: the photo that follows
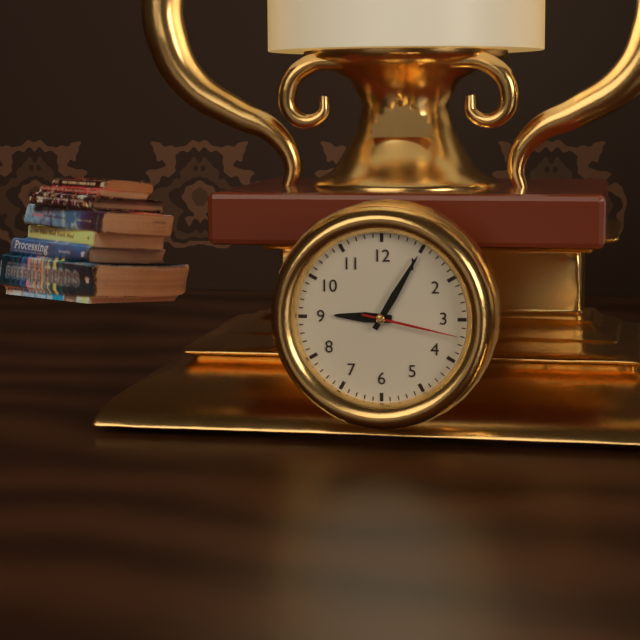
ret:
9:05:17
